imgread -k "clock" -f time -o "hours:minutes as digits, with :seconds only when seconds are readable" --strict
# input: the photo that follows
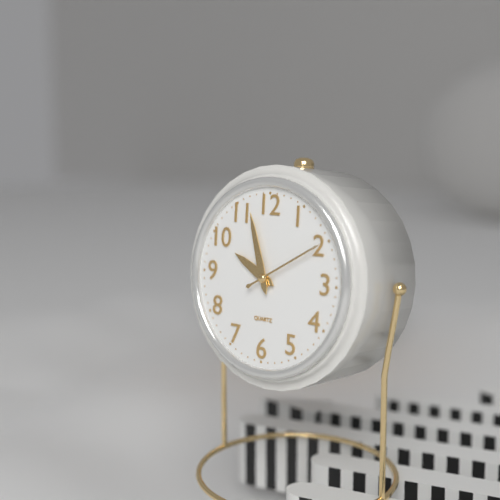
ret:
9:57:10
